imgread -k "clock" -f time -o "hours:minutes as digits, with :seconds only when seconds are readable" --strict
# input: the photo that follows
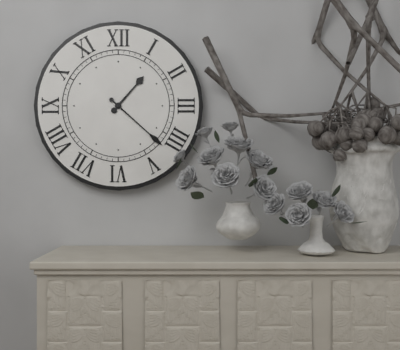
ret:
1:22
